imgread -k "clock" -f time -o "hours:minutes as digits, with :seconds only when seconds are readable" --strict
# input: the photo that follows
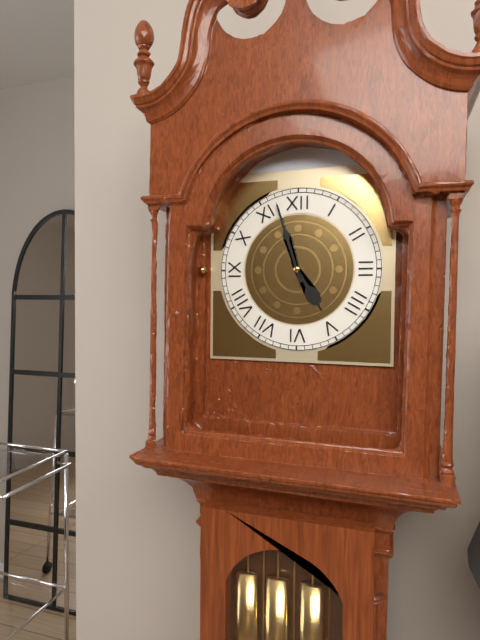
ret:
4:57
